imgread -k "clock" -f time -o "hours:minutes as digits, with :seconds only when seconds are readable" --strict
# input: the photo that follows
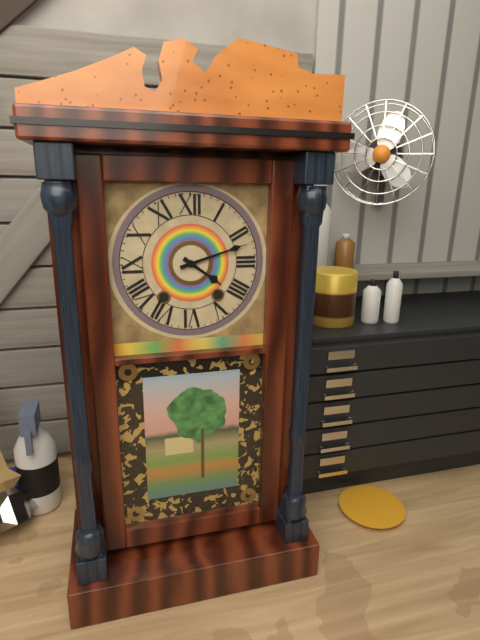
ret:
4:12
